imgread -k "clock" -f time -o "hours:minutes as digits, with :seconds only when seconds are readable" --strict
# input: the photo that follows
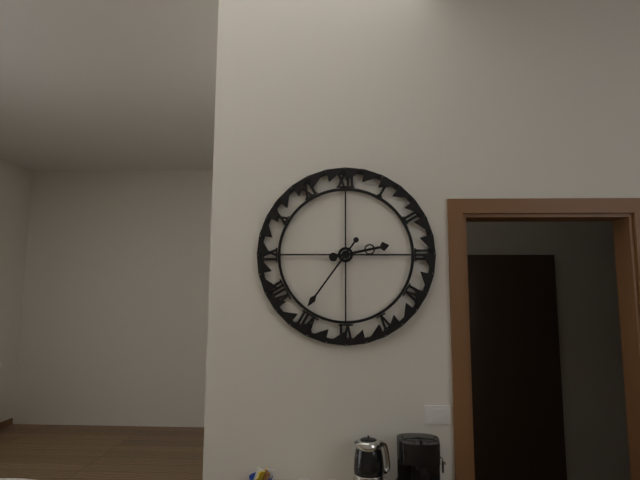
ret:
2:36
